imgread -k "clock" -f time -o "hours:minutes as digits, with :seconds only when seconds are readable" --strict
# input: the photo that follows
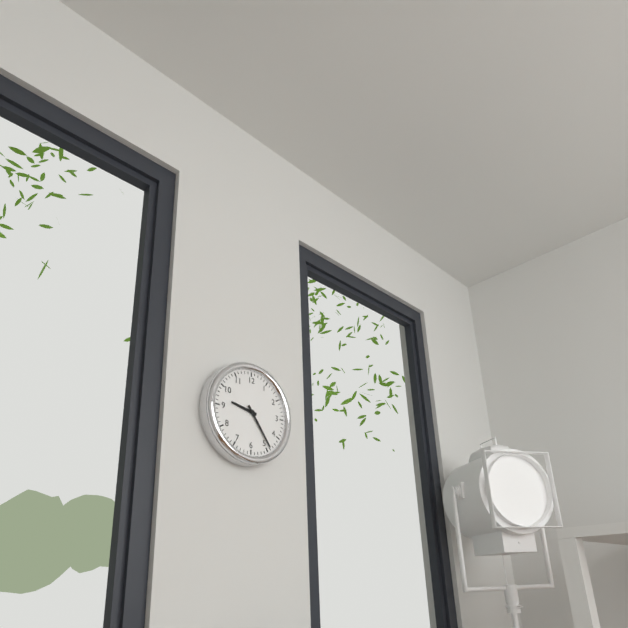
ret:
9:24
